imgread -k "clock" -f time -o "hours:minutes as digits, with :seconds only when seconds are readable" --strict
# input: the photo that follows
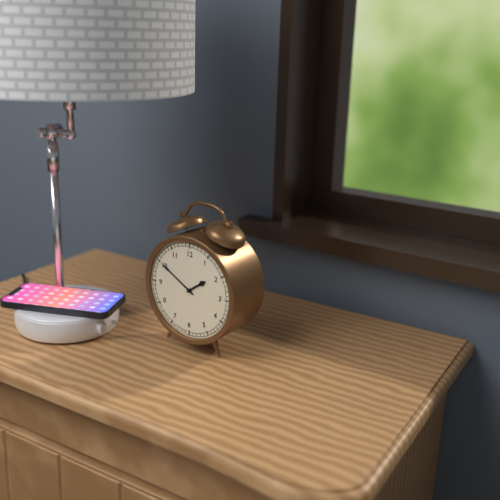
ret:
1:50
